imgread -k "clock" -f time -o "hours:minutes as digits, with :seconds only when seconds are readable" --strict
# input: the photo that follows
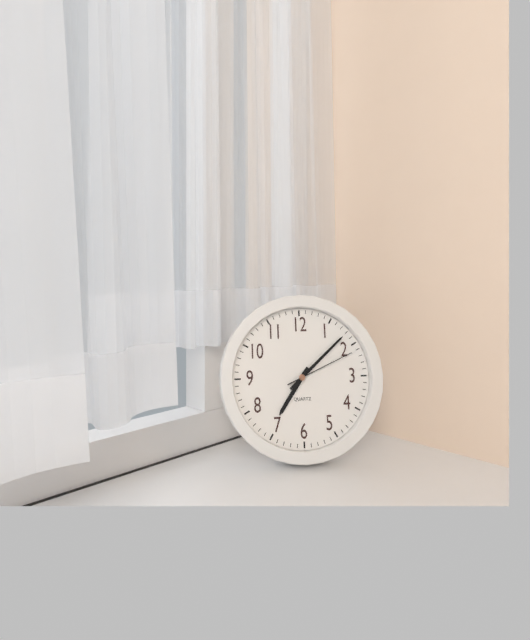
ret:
7:08:11
